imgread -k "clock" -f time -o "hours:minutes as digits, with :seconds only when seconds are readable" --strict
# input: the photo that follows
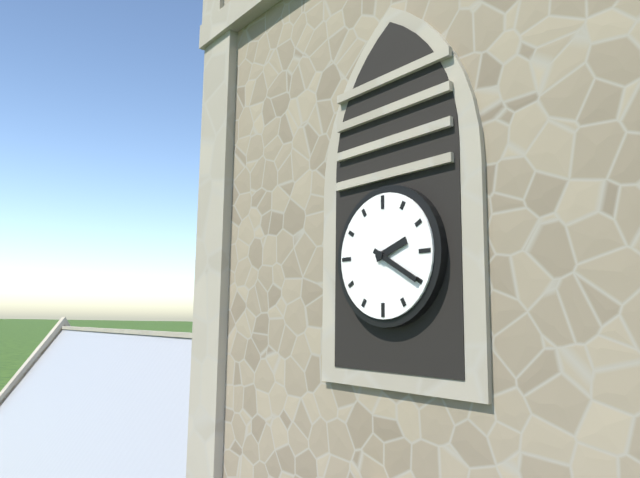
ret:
2:20
